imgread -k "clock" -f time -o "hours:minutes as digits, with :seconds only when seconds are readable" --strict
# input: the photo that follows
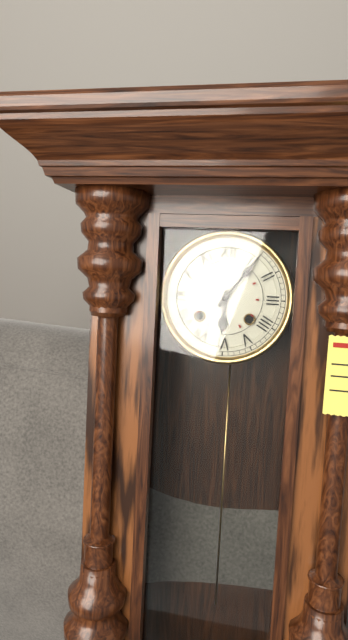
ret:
6:06
